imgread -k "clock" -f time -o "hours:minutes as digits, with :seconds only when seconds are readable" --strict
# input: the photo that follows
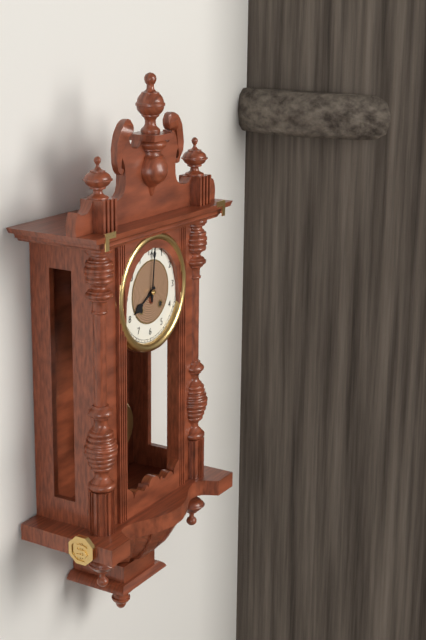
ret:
8:01
